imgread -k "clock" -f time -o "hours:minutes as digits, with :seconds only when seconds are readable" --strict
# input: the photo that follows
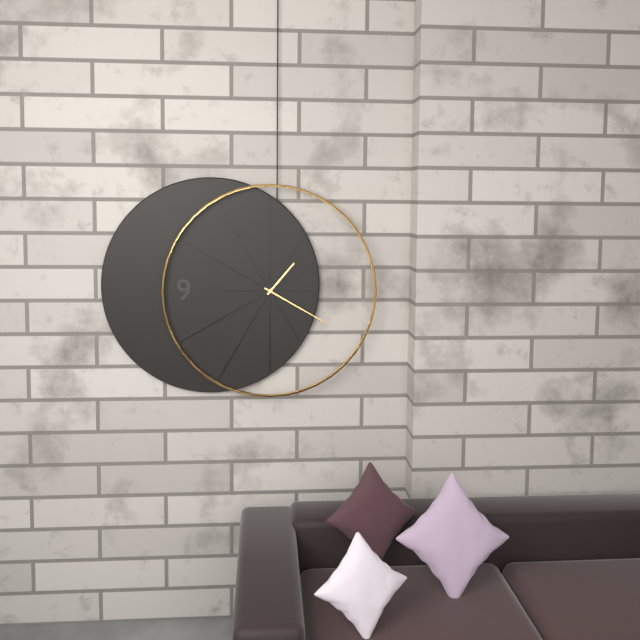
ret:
1:20
